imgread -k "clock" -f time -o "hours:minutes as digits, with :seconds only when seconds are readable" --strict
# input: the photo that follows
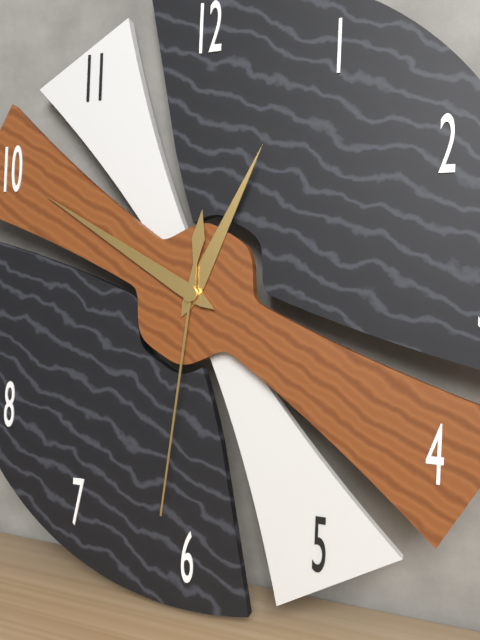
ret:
12:50:31
